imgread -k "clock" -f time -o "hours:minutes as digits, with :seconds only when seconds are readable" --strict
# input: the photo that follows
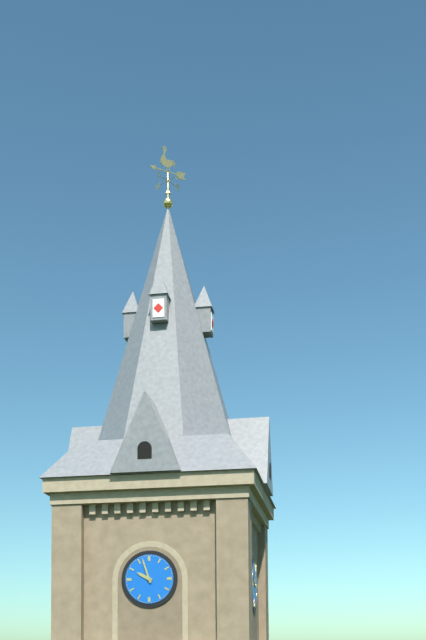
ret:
9:57
